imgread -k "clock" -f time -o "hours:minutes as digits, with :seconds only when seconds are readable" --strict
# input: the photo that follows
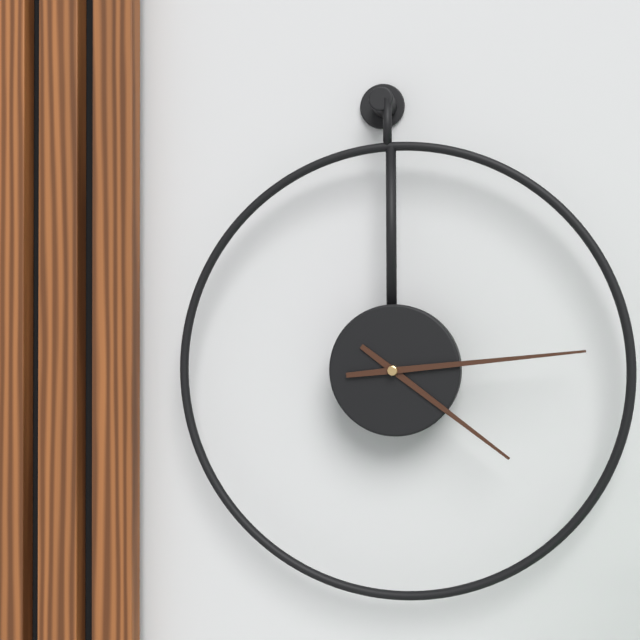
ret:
4:14
